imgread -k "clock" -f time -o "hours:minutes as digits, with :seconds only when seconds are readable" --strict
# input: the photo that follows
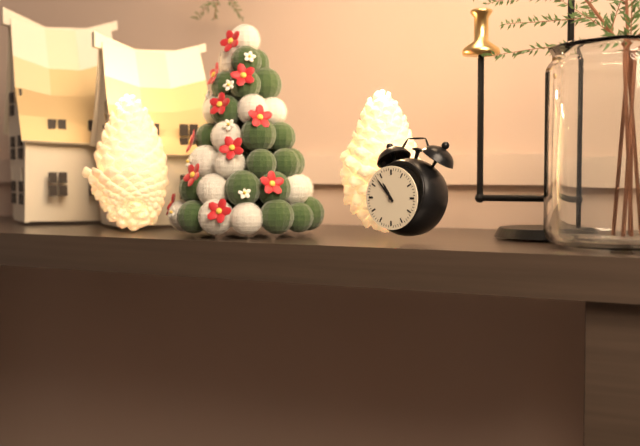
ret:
10:53
